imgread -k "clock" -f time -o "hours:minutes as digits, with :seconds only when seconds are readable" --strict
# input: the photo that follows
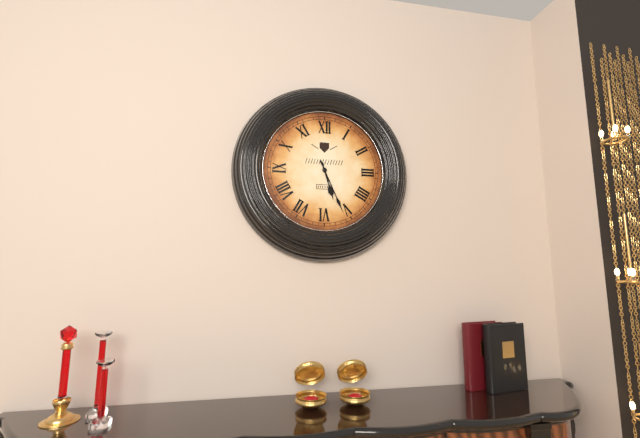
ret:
5:26
